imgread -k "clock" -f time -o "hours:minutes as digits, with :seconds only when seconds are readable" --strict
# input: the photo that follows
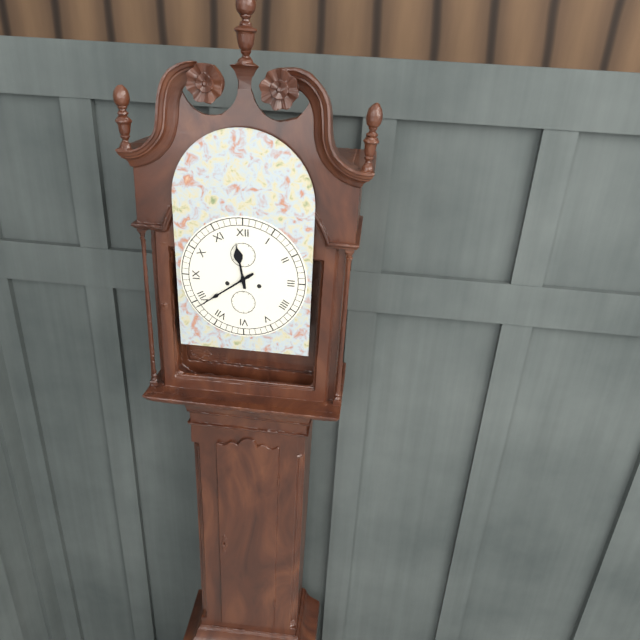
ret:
11:39
